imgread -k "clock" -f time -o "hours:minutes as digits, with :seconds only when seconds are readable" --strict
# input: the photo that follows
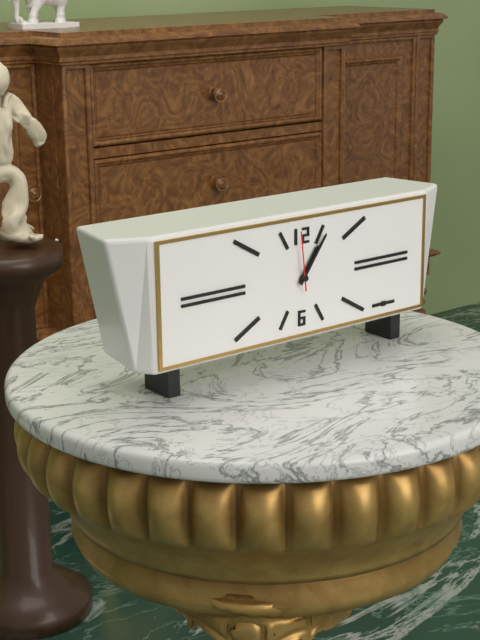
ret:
1:06:59
